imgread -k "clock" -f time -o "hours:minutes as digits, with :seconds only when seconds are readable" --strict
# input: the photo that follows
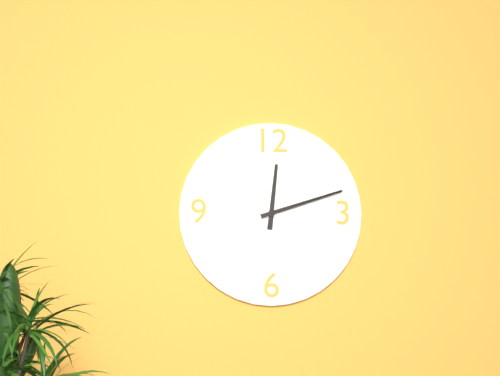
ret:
12:12
